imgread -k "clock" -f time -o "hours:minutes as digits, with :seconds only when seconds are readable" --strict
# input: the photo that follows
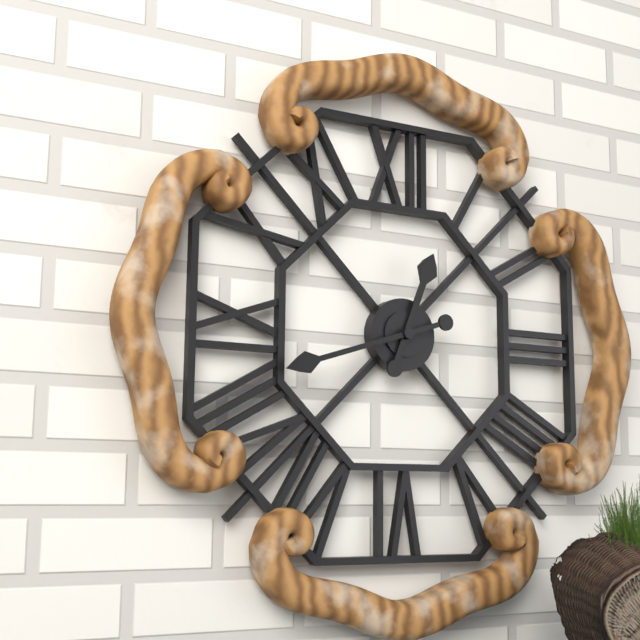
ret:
12:42
